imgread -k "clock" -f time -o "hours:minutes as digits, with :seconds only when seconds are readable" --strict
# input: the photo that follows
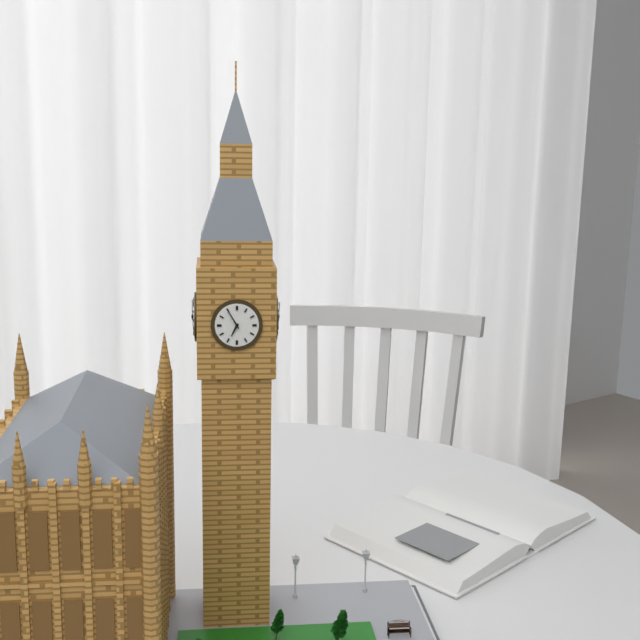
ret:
6:55
